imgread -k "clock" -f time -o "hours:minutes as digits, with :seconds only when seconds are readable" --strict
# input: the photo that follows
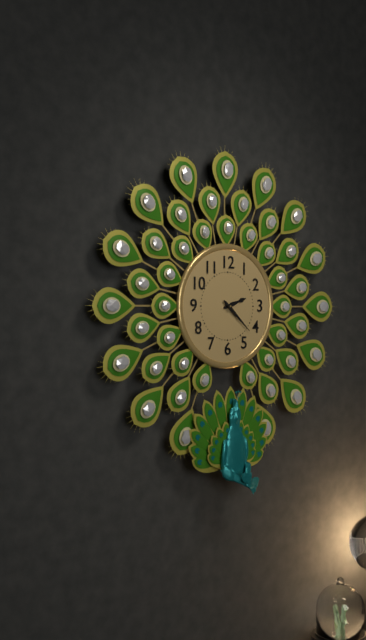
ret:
2:22
